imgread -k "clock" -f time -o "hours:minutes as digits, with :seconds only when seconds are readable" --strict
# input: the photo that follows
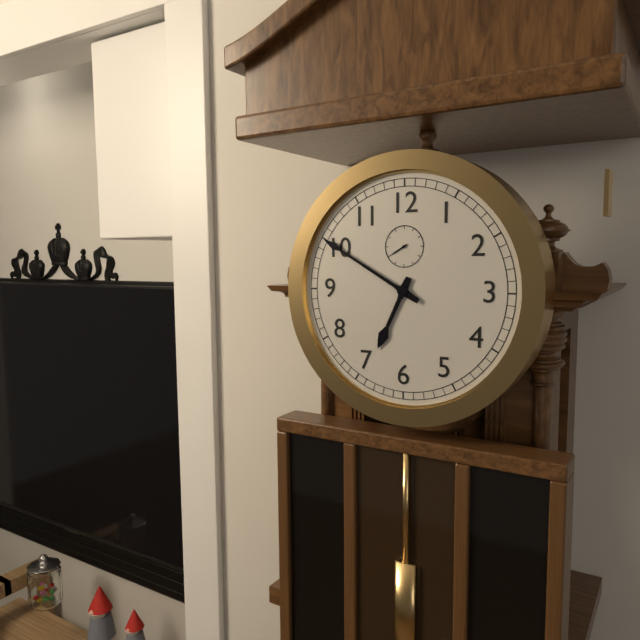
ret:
6:50
